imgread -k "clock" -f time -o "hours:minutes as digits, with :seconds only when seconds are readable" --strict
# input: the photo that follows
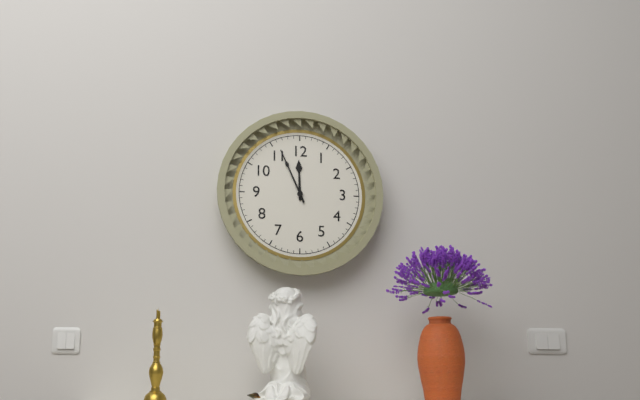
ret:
11:56
